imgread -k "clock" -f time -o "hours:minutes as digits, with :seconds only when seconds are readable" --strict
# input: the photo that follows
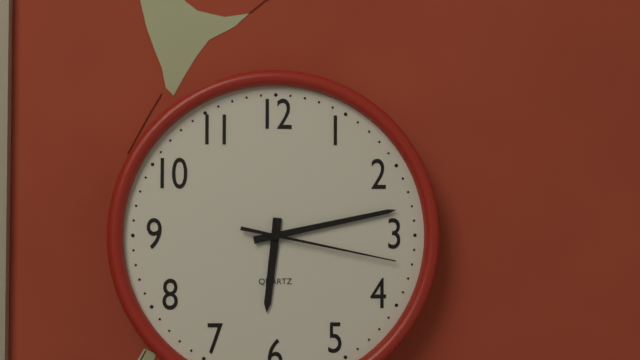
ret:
6:13:17
